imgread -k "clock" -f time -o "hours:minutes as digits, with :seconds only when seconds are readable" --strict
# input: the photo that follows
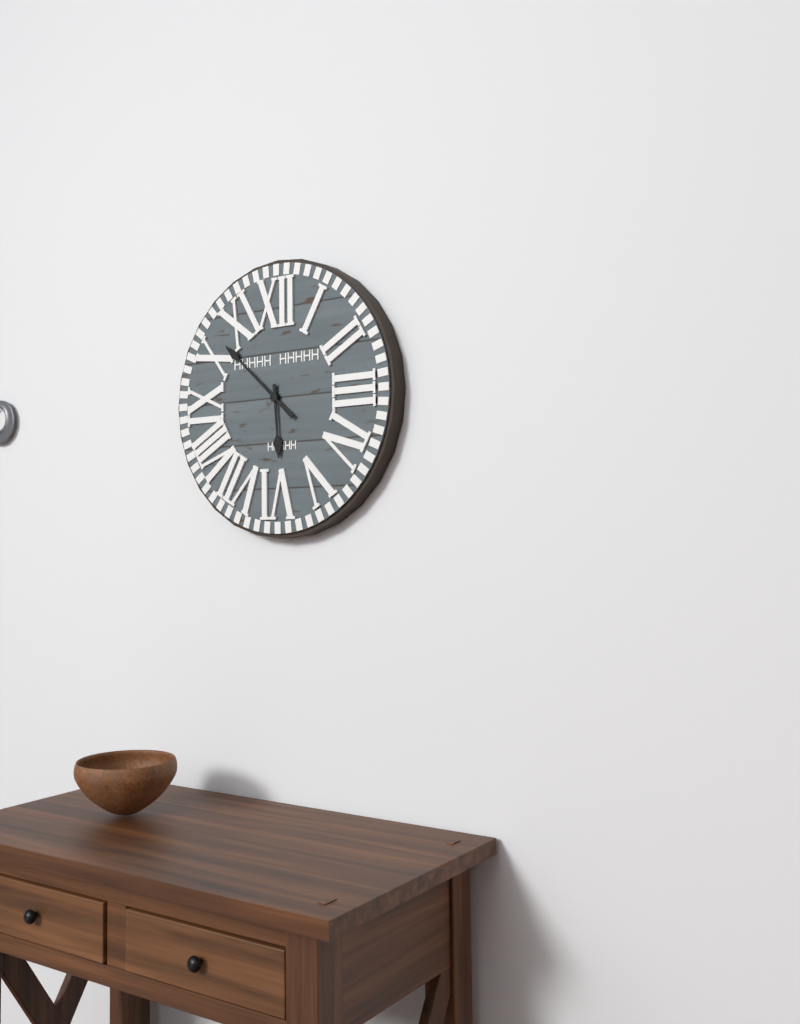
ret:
5:52
